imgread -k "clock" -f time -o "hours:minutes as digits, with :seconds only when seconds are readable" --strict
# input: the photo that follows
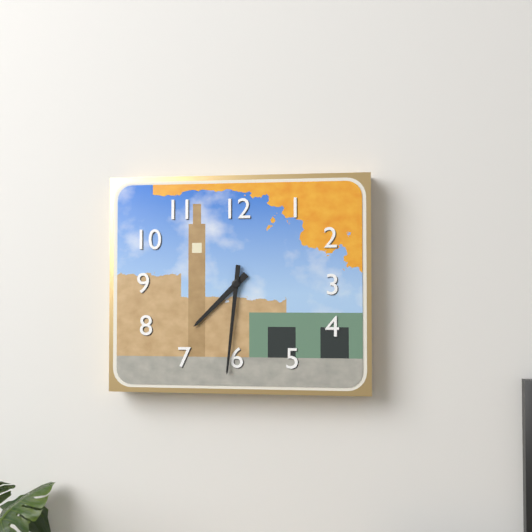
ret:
7:31
